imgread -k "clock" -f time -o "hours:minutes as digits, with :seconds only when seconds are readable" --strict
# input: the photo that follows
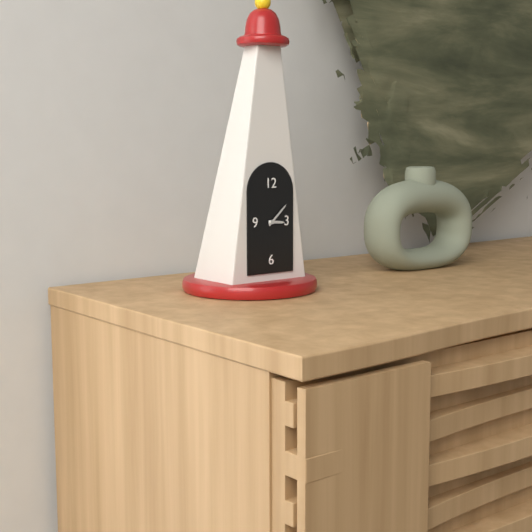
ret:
3:08
